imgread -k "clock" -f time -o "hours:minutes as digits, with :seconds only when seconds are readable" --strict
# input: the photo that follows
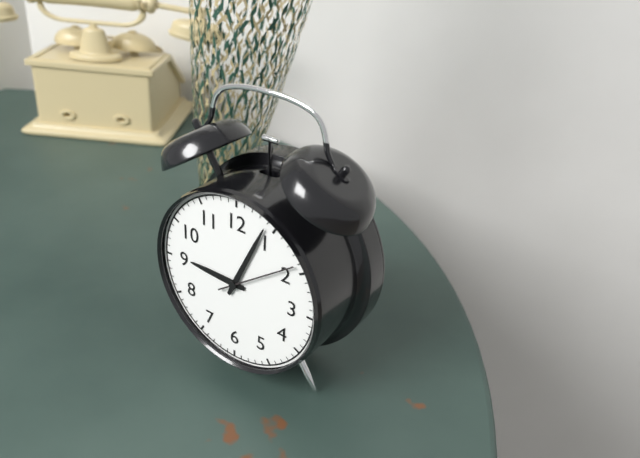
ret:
9:04:09
